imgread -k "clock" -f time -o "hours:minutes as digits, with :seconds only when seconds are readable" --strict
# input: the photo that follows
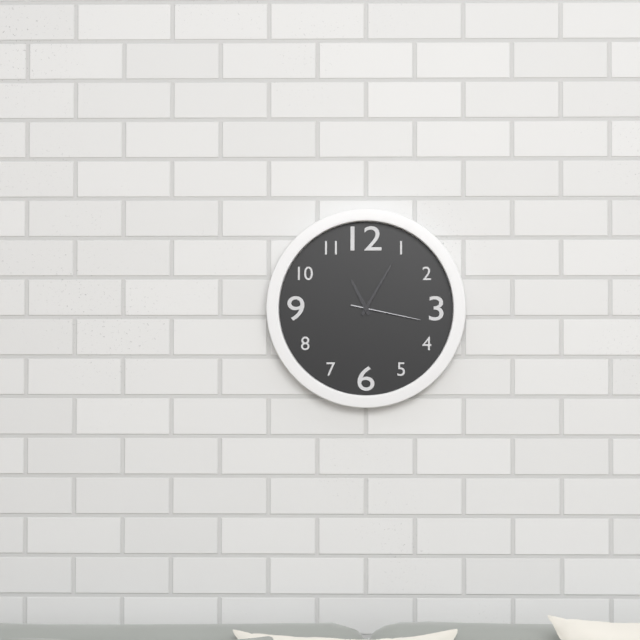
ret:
11:05:17
